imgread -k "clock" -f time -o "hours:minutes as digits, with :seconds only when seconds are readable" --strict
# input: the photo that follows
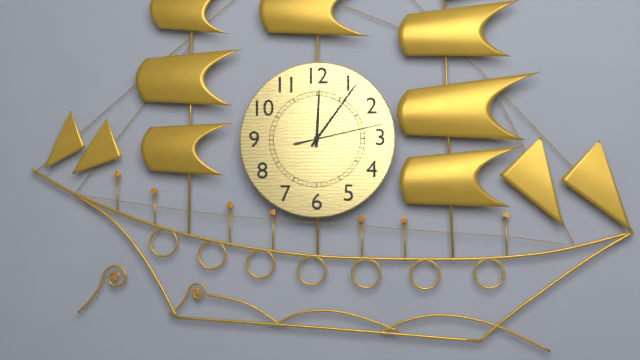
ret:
12:06:13
